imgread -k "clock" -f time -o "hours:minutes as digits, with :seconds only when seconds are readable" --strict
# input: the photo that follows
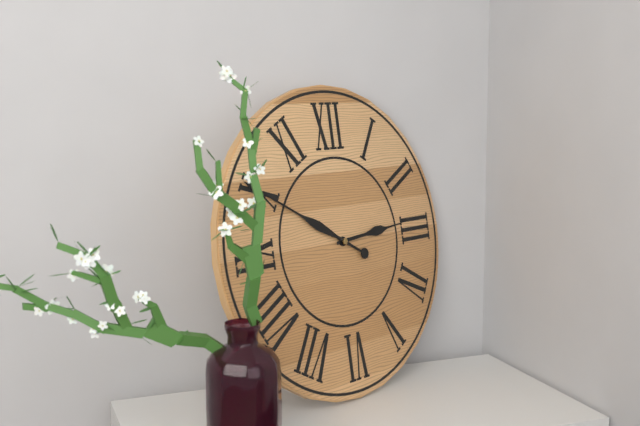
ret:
2:50
